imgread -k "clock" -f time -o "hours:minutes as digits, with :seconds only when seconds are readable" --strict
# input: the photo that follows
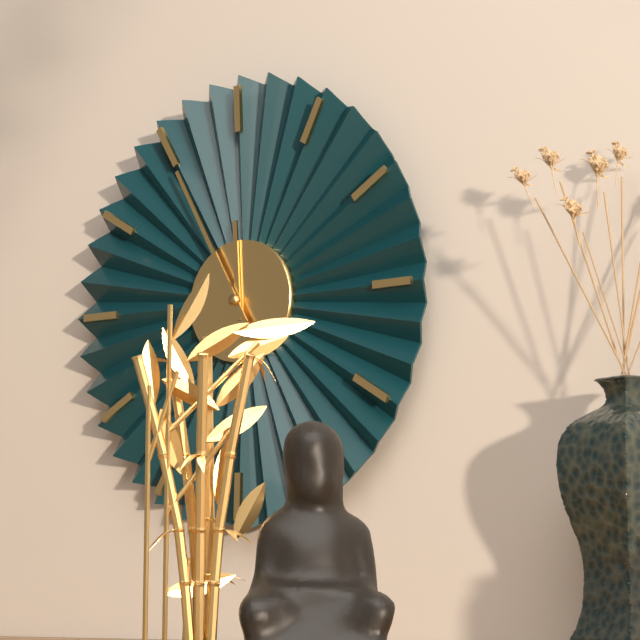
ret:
11:55
